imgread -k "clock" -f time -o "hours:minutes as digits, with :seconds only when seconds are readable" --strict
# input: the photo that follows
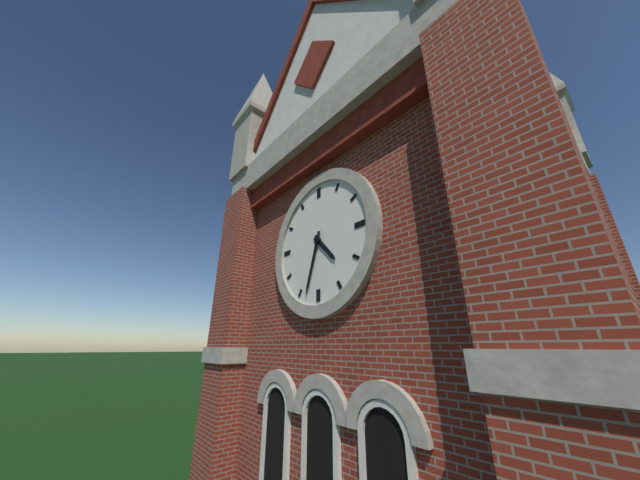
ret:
4:33
